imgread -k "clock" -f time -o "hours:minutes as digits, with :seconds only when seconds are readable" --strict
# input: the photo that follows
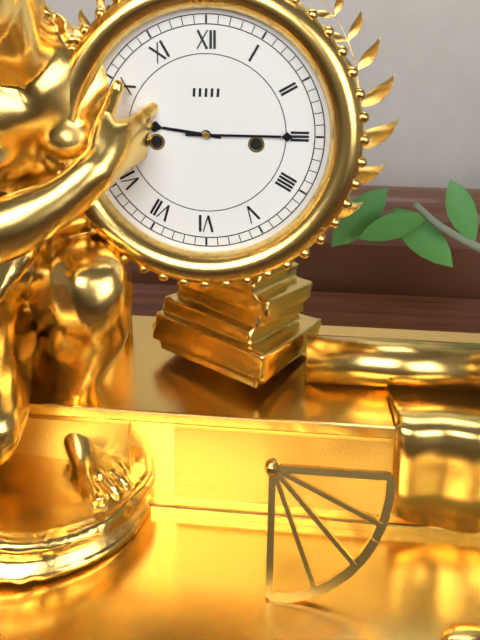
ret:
9:15
